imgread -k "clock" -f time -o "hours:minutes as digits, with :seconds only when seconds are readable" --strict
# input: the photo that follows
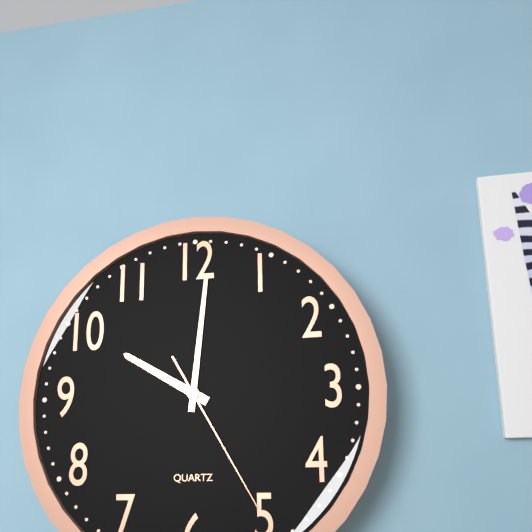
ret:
10:01:25
